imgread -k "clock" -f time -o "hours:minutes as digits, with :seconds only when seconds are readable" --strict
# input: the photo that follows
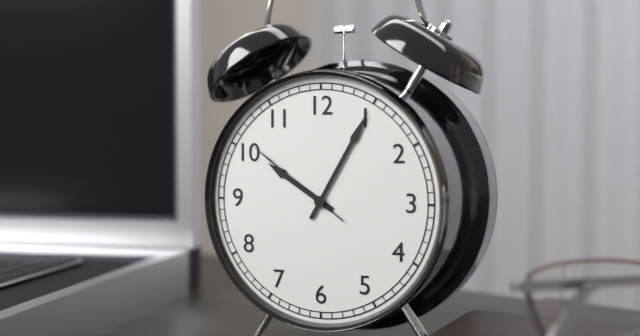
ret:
10:05:51
